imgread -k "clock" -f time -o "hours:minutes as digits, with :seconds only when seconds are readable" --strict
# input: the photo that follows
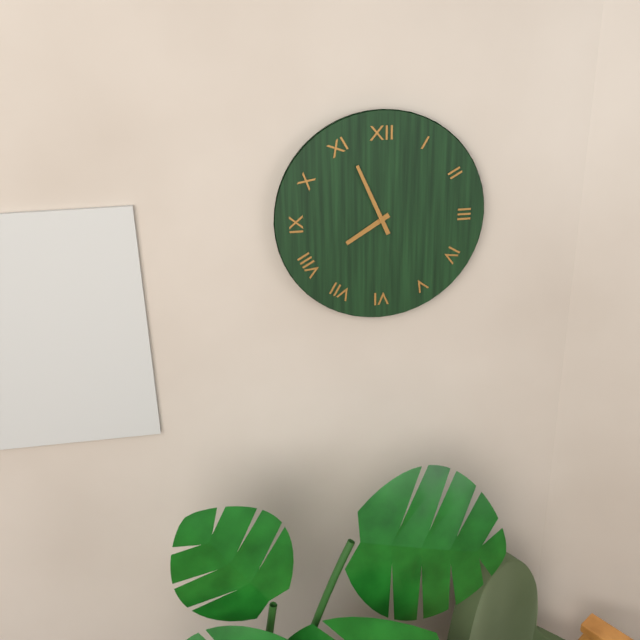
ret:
7:56
